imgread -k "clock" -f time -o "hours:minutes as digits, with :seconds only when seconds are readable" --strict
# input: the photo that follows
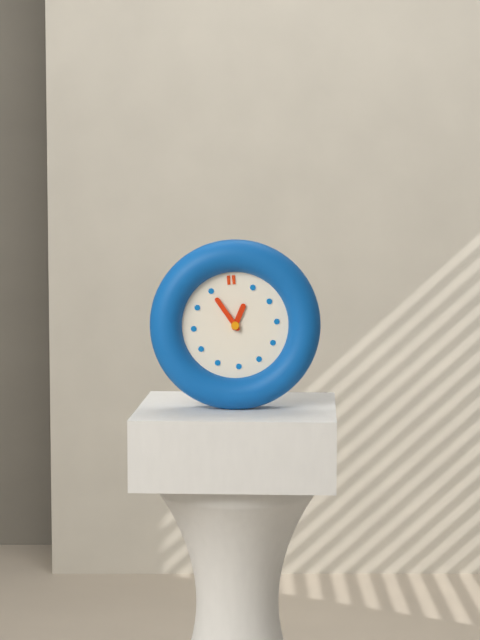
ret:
12:55
